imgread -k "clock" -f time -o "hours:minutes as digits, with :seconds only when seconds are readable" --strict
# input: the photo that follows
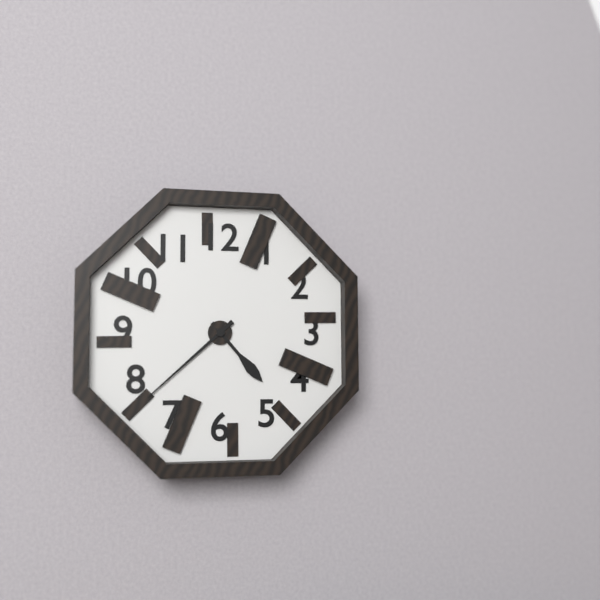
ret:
4:38
